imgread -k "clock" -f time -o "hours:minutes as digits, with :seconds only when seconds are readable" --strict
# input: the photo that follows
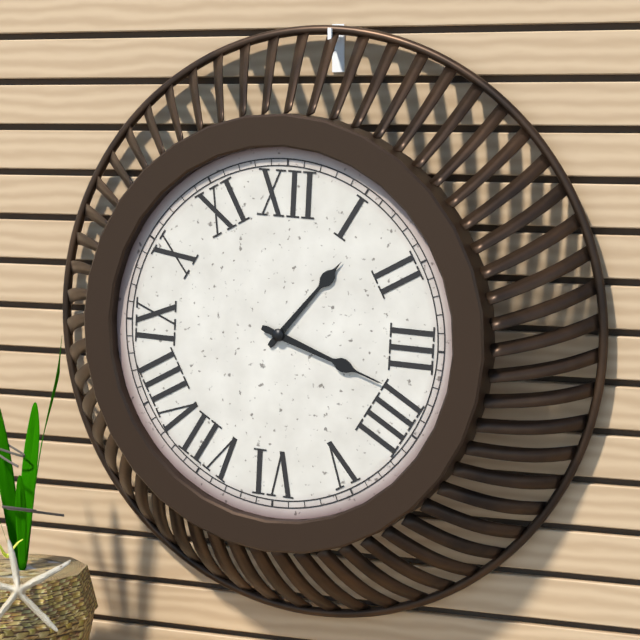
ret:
1:18
